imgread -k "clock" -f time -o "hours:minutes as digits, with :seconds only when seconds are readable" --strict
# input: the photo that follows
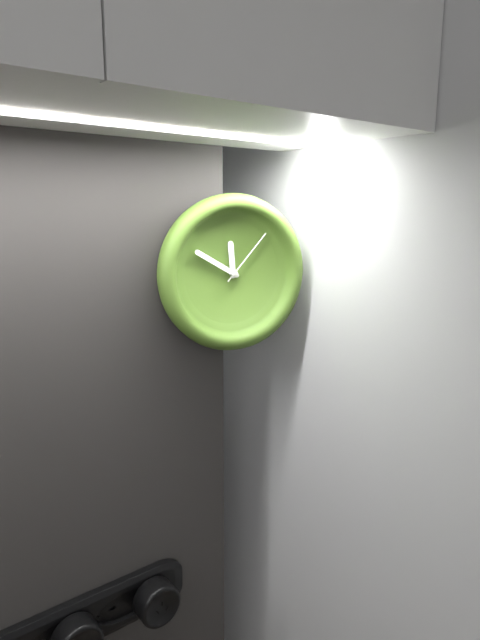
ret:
11:50:07
